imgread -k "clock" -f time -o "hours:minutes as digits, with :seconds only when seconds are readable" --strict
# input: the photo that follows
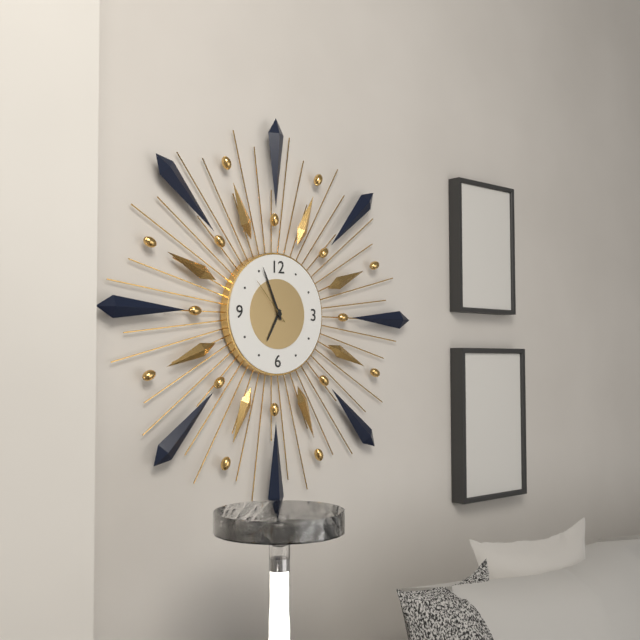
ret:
6:56
